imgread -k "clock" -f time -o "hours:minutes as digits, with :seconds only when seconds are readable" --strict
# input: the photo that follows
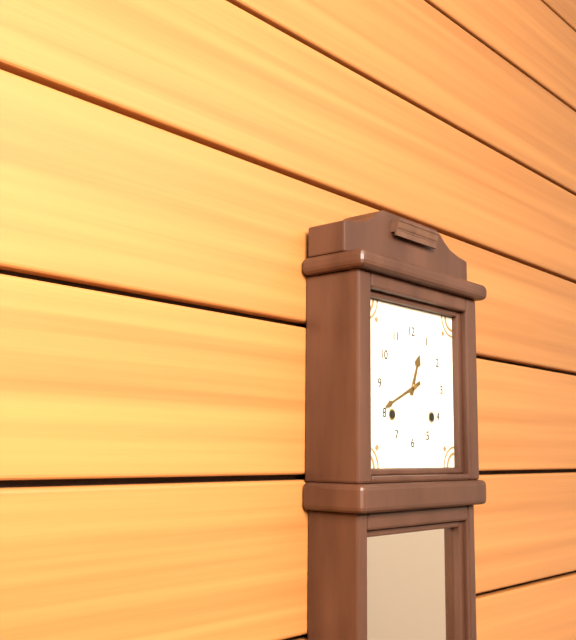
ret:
12:41
